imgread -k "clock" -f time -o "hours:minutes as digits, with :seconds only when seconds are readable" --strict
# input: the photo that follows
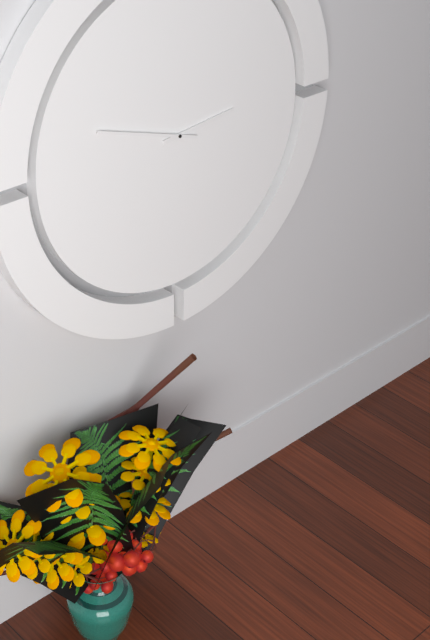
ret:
2:48
